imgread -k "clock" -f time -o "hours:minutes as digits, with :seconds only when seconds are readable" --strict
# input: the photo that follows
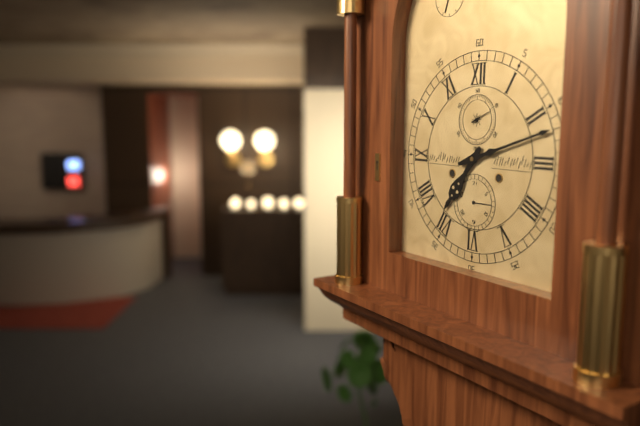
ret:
7:12
